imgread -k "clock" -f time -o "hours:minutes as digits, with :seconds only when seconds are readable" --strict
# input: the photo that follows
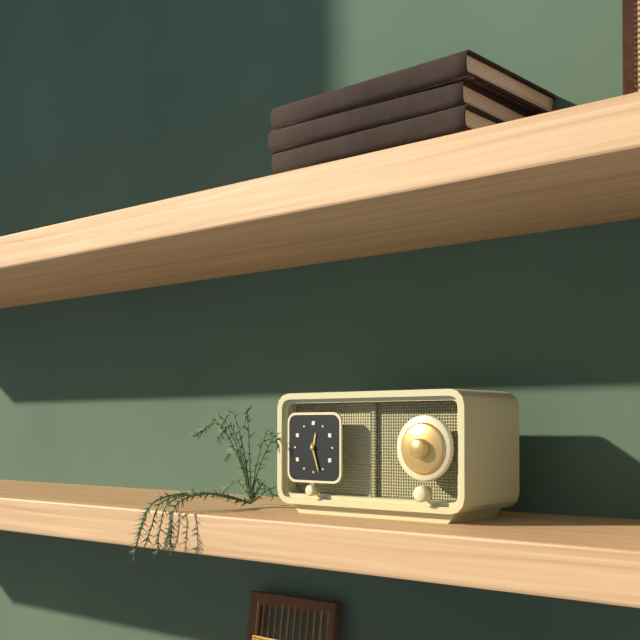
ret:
12:27
